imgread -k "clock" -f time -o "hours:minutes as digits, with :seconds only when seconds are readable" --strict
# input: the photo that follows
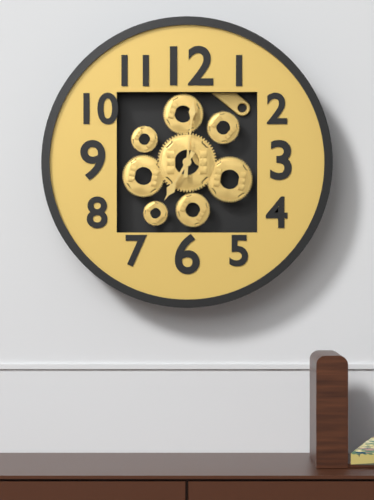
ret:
7:01
